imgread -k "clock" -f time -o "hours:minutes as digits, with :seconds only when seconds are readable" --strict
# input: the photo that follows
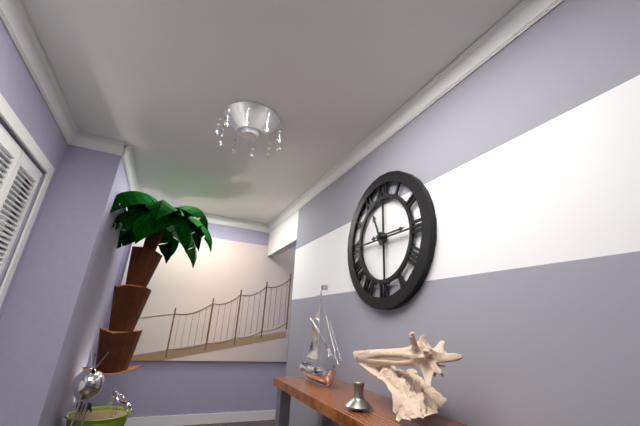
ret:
11:15
